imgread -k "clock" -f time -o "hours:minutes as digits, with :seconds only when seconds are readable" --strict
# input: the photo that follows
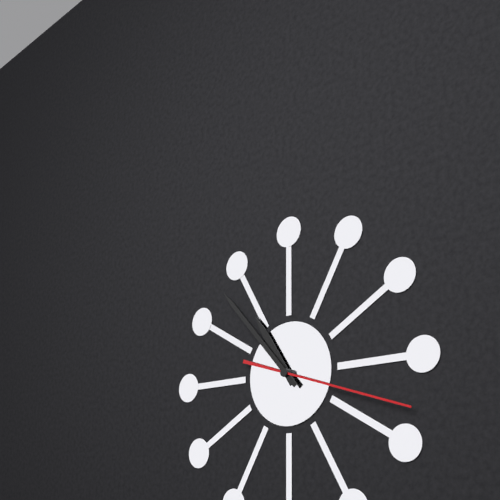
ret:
10:53:18
